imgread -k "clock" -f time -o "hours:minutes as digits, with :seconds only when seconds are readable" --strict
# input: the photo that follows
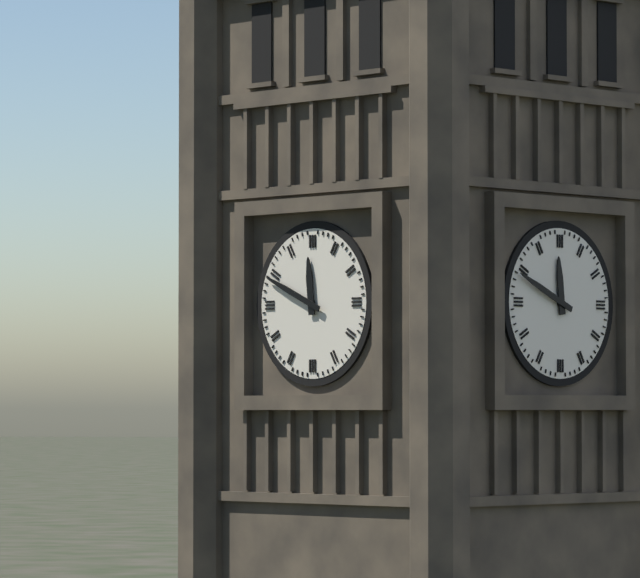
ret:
11:49
